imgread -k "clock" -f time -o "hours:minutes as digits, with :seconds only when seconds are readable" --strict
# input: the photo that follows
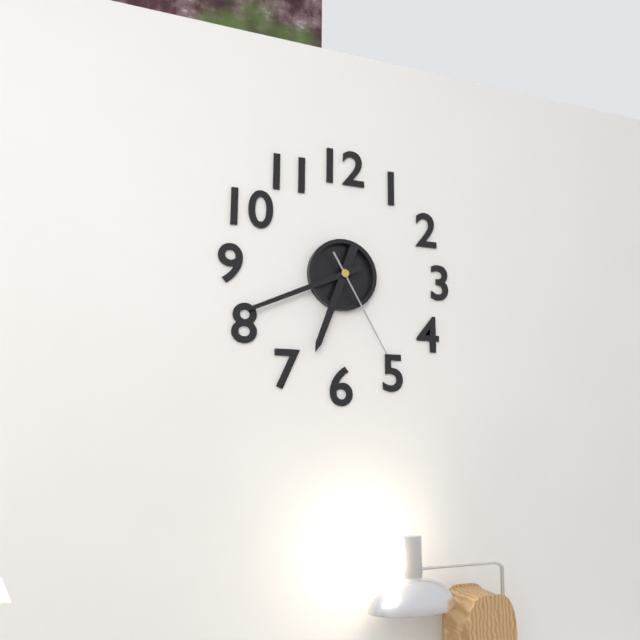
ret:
6:41:25
